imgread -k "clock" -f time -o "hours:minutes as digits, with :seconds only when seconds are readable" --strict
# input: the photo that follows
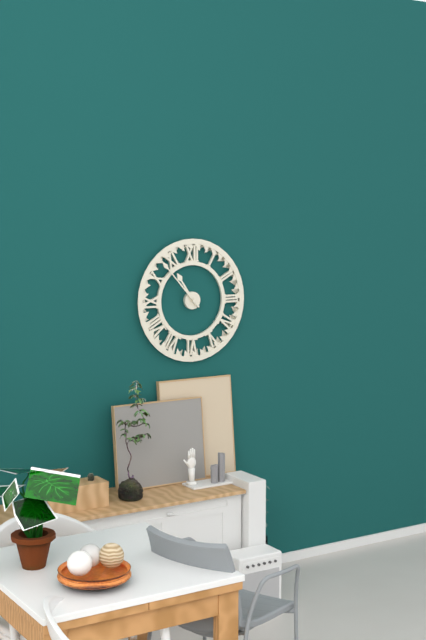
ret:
10:53
